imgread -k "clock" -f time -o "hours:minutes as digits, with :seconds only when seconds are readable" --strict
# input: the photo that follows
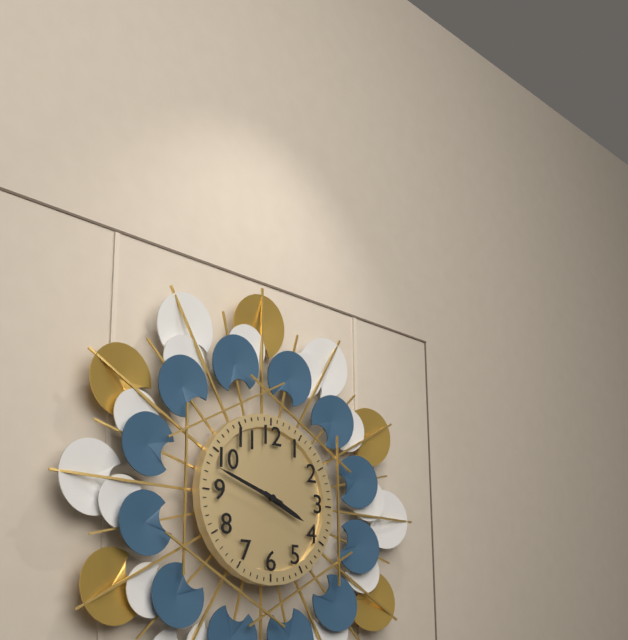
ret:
3:48
